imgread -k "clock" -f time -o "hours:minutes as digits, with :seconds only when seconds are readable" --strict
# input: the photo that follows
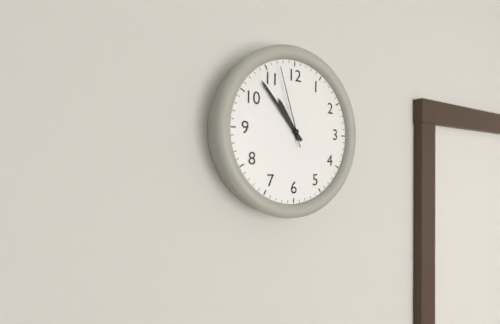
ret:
10:53:57
